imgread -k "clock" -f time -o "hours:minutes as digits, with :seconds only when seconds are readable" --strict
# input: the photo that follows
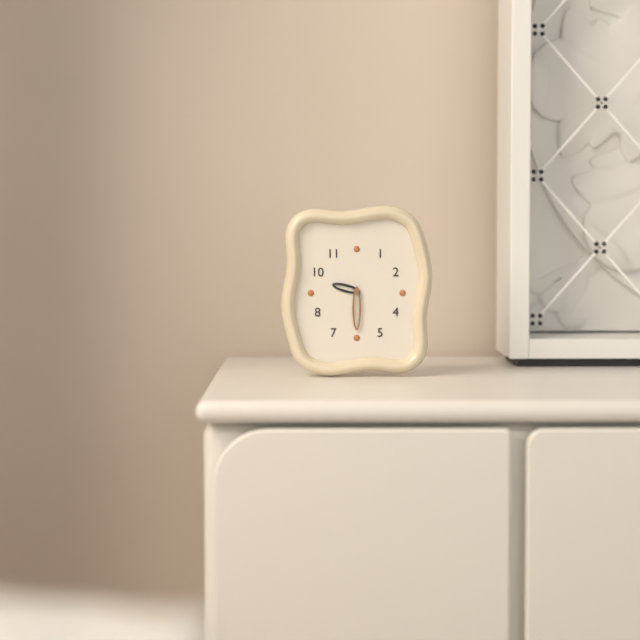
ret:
9:30
